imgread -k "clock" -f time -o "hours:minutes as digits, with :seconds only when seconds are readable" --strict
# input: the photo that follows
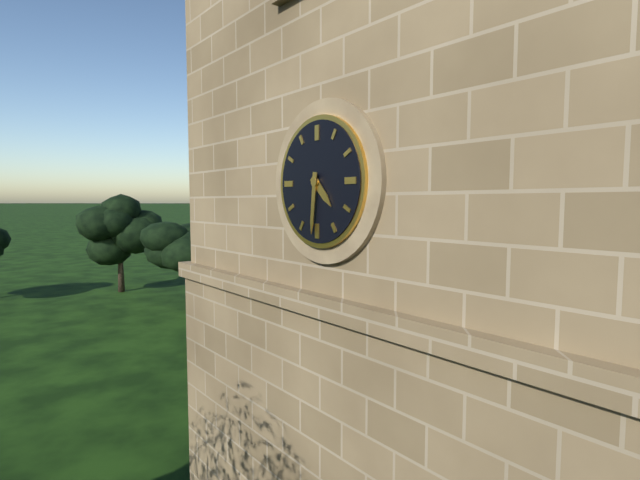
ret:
4:31
